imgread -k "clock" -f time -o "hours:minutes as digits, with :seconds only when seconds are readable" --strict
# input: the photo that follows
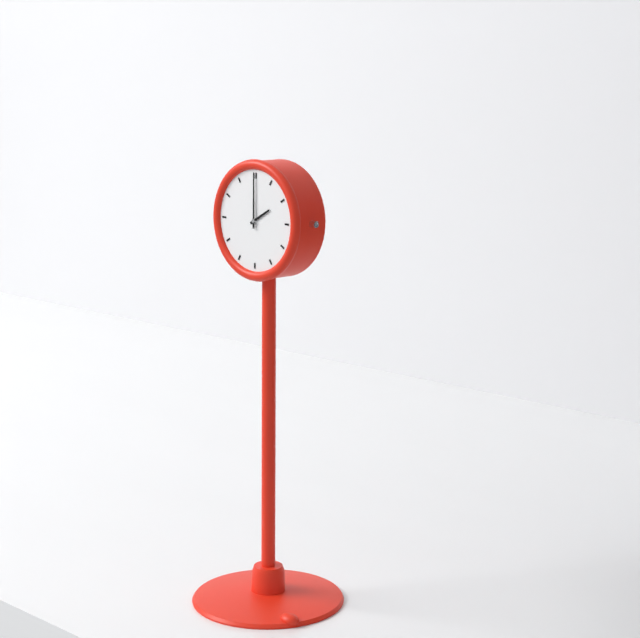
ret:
2:00
